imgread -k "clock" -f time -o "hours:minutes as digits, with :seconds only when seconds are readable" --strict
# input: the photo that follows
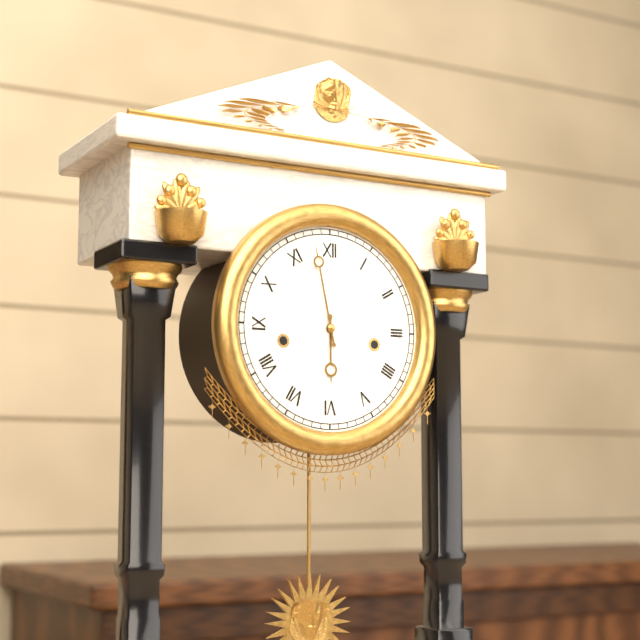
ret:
5:58
